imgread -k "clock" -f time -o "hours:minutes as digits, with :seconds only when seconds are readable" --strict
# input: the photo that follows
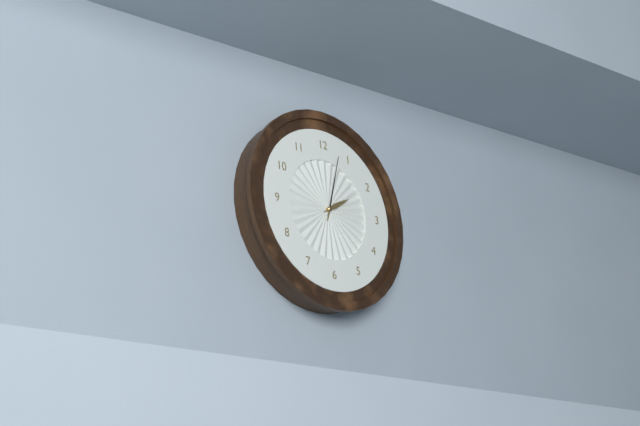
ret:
2:03
